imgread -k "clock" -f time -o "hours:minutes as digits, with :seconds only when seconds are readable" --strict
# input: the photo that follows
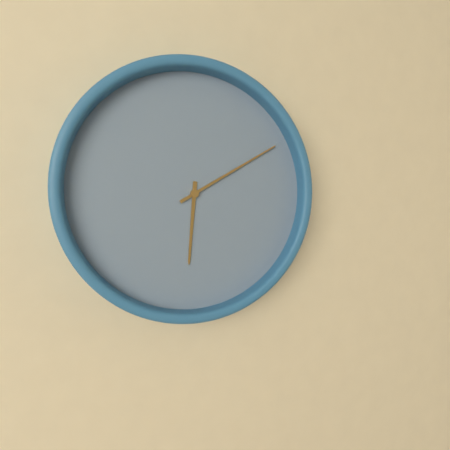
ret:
6:10
